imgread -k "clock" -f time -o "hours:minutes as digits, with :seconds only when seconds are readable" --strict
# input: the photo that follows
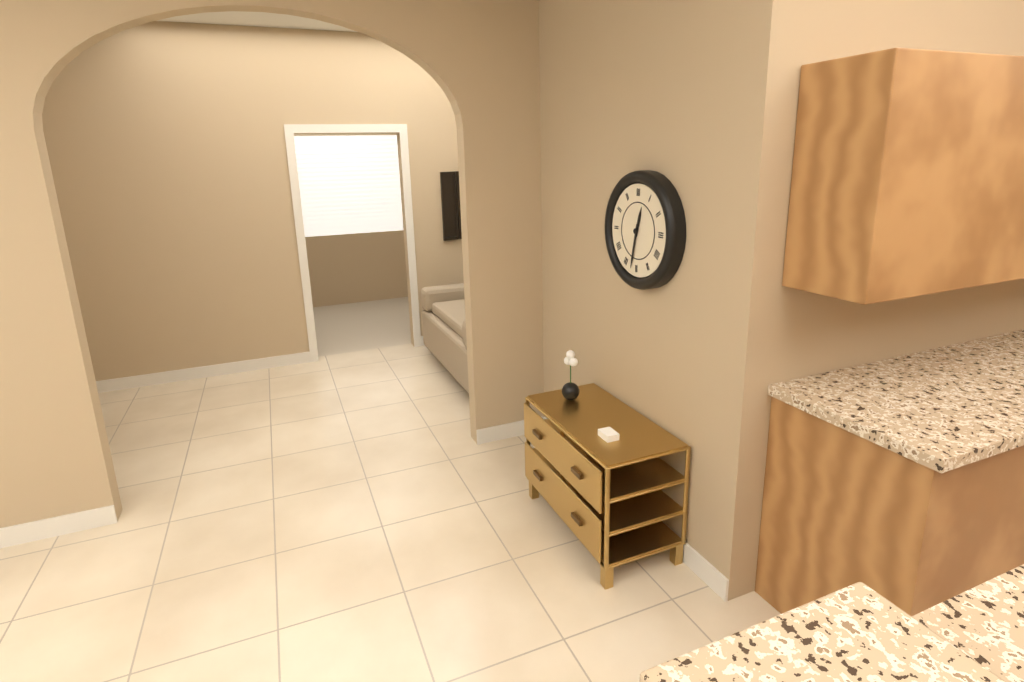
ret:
12:32
